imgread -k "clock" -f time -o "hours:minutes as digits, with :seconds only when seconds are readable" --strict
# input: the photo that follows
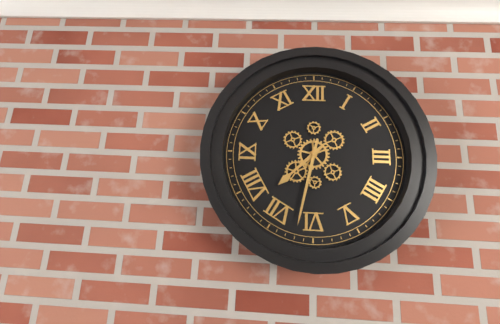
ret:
7:32
